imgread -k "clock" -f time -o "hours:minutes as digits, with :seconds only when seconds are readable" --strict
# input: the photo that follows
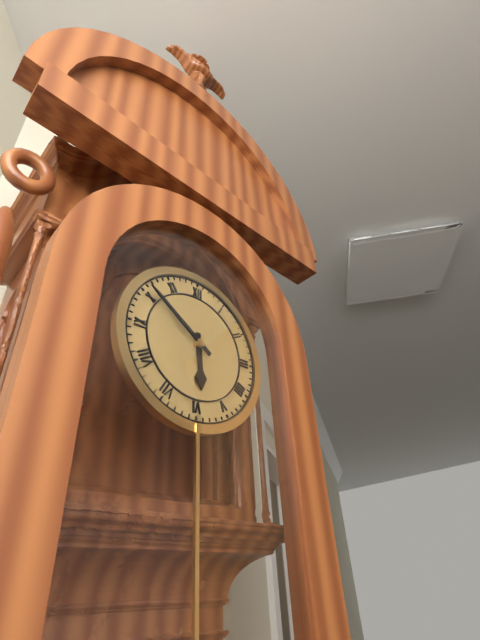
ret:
5:51
